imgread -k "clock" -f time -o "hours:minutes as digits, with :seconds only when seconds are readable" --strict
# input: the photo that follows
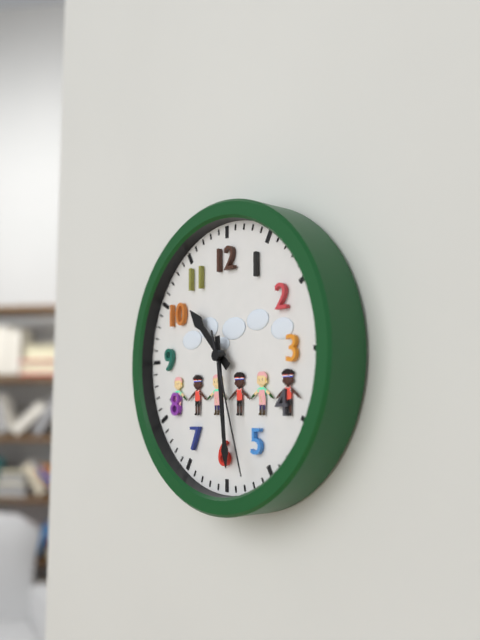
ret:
10:29:27
